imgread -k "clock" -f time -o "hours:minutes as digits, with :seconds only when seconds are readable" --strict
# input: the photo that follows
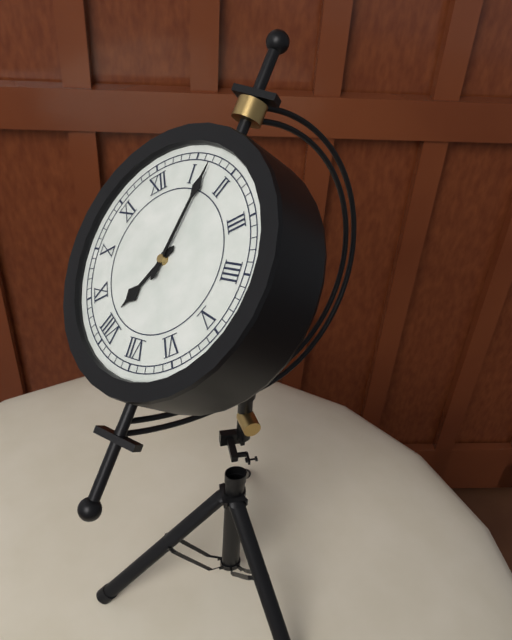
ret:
8:07
